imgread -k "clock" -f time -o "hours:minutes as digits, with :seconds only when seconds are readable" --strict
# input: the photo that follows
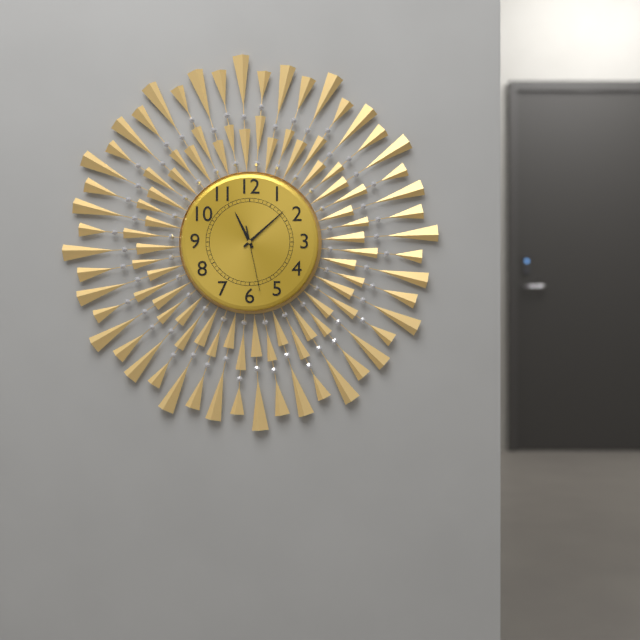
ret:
11:08:28
